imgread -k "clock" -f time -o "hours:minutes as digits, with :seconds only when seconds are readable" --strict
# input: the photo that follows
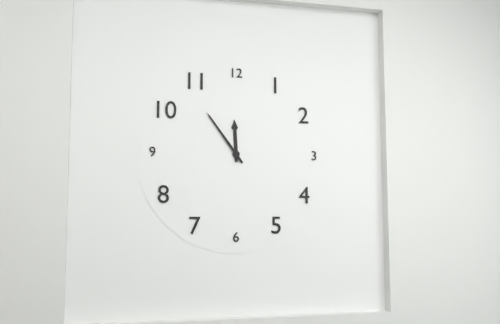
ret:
11:54
